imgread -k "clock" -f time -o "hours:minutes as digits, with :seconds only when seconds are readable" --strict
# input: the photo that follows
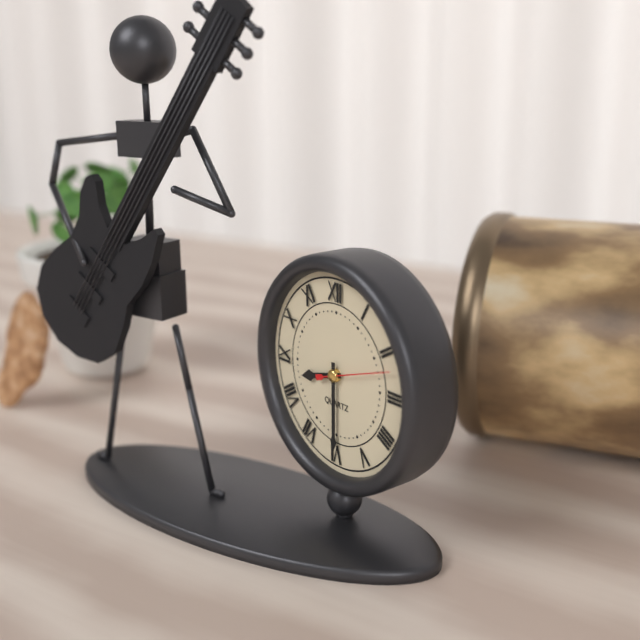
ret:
8:30:12
